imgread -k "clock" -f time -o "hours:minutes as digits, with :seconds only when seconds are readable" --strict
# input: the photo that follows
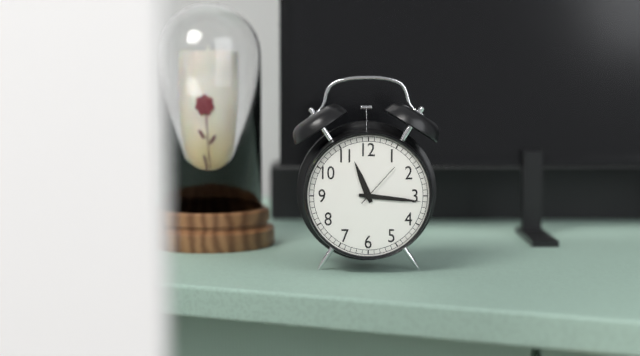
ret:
11:16
